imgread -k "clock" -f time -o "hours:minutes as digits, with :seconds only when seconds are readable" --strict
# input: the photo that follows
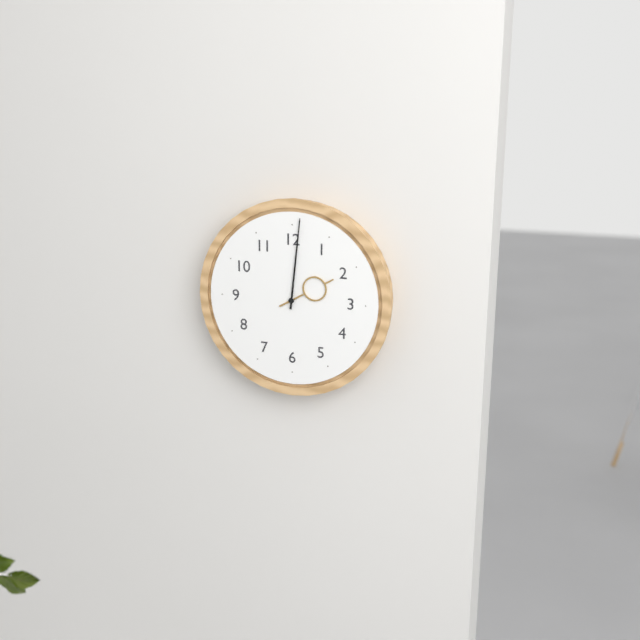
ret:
2:01
